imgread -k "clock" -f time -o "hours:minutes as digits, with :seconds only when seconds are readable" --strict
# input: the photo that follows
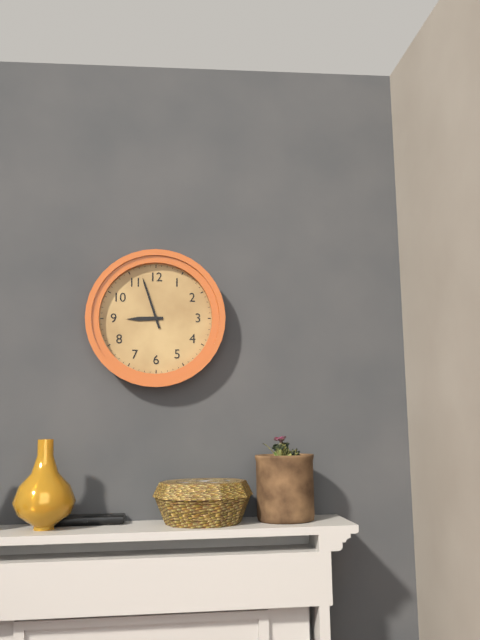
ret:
8:57
